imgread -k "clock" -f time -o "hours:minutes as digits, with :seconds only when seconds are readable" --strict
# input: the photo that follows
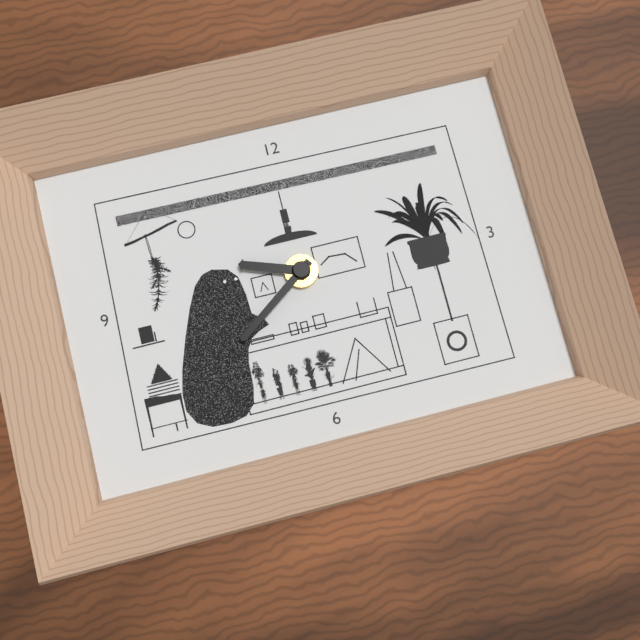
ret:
9:39
